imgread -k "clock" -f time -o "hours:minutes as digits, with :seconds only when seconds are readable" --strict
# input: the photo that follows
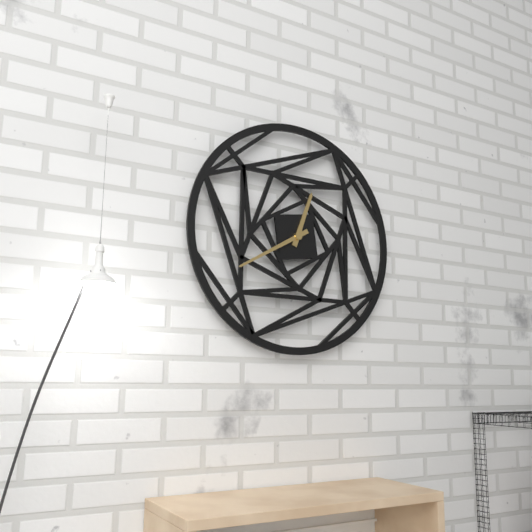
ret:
12:40
